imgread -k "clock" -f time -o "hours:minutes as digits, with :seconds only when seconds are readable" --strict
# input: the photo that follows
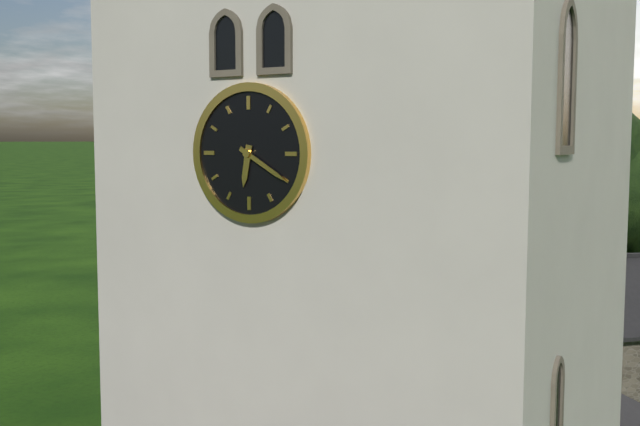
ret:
6:20
